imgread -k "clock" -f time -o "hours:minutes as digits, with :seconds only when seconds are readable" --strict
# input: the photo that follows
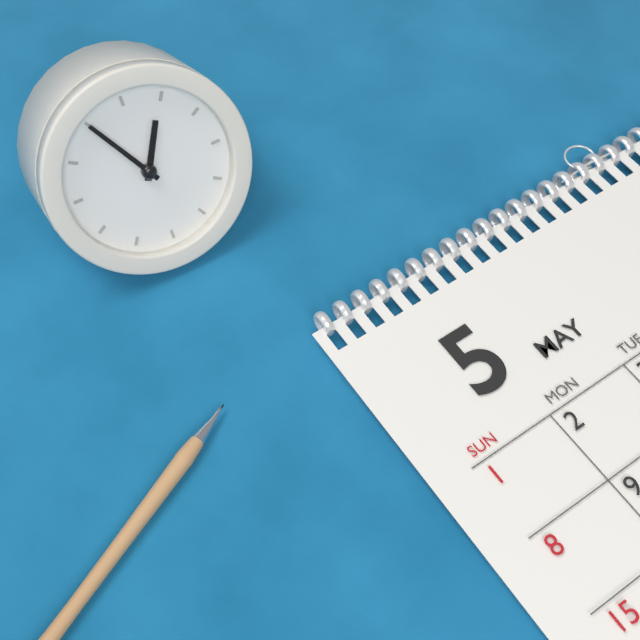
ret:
12:55
